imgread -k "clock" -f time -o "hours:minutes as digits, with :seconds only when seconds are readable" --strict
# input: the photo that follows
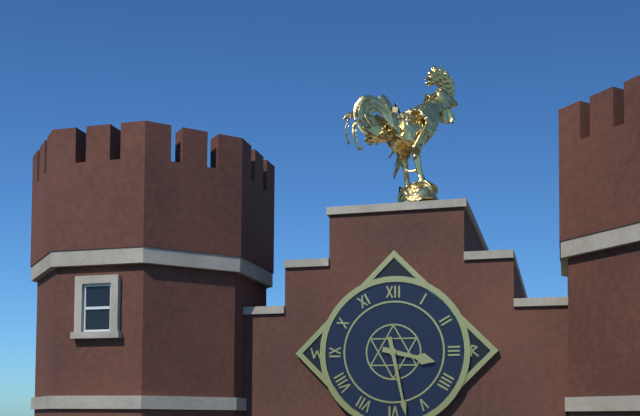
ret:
3:28
